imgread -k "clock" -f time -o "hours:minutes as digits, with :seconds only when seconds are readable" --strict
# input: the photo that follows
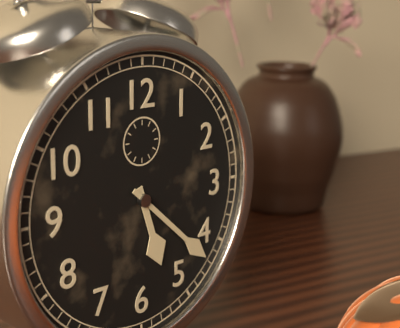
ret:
5:22
